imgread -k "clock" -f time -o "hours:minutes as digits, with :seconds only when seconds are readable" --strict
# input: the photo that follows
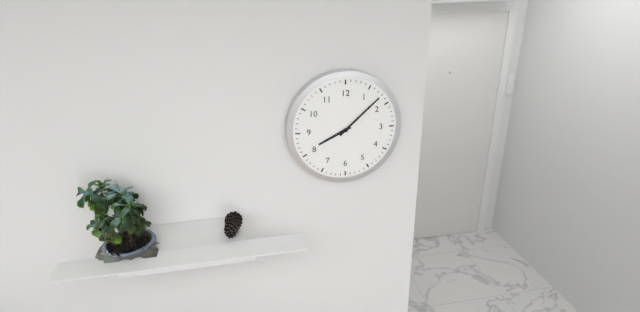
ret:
8:08
